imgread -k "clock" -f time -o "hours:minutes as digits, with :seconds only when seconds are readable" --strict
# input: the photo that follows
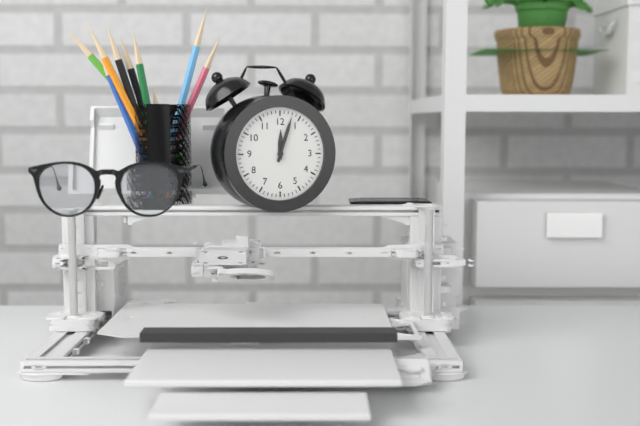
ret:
12:03
